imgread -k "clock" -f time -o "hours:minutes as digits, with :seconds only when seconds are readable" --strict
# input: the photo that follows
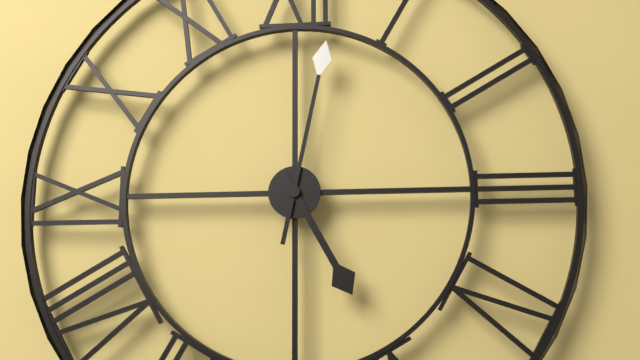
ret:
5:02
